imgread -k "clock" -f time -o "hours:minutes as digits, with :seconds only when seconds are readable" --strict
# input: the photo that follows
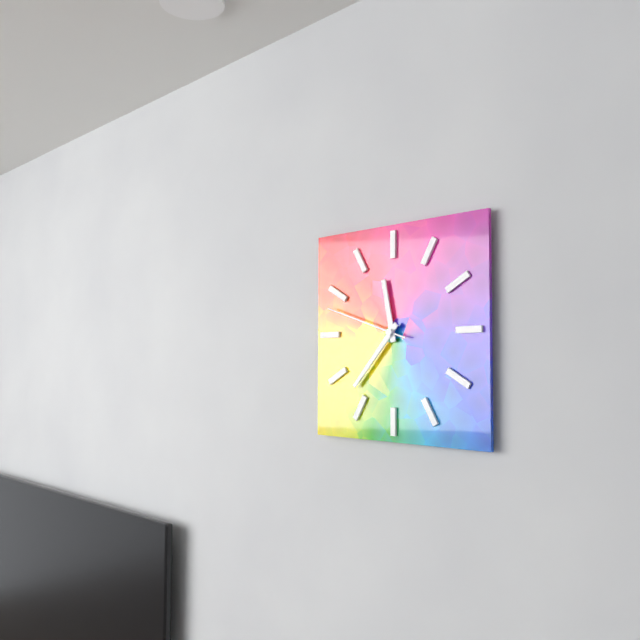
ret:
11:37:48
